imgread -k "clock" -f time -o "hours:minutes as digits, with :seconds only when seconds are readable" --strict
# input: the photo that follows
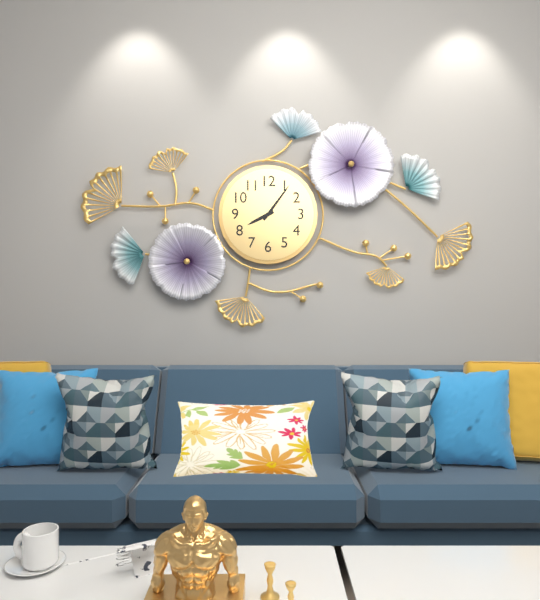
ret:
8:06
